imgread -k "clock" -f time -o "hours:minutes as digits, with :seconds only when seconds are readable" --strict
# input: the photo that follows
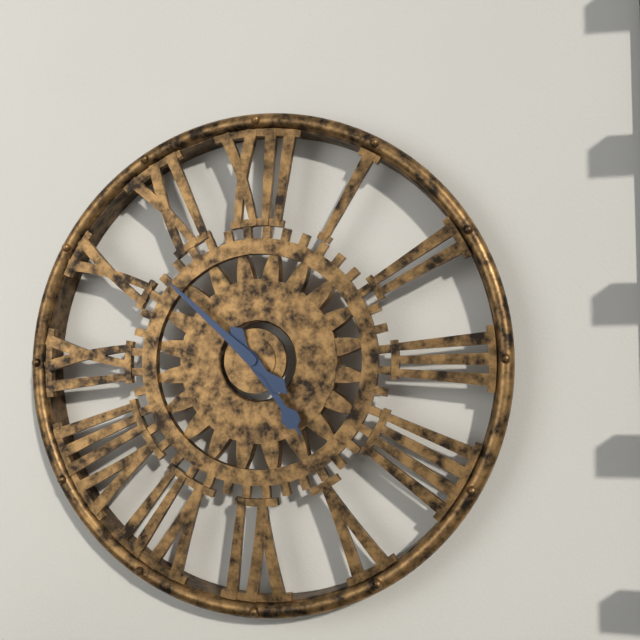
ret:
4:52
